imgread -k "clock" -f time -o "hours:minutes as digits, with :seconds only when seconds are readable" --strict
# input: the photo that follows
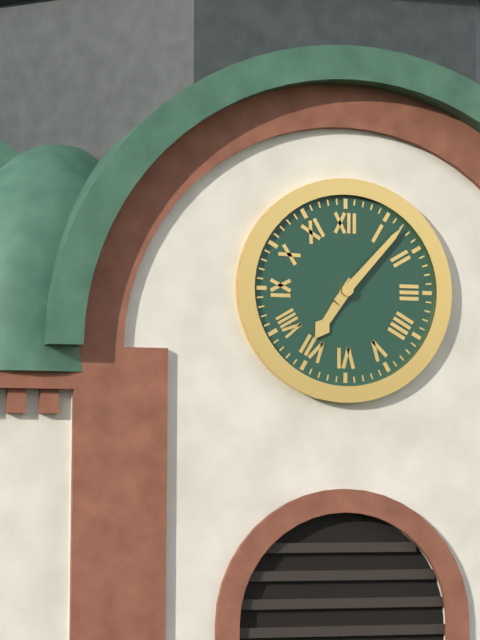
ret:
7:07
